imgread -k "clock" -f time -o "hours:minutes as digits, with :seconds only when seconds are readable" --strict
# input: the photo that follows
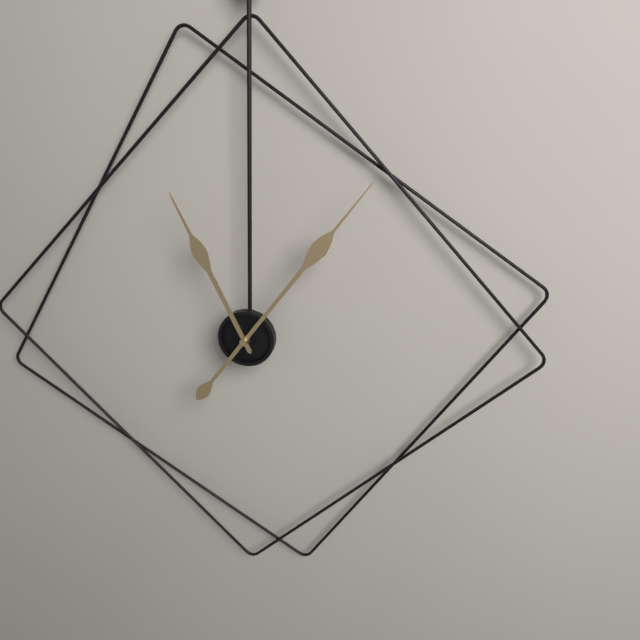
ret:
11:06
